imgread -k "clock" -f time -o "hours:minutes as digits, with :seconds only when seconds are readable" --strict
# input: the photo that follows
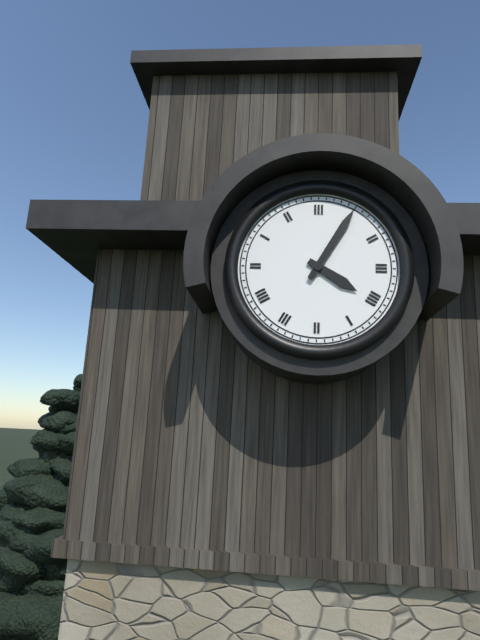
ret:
4:05
